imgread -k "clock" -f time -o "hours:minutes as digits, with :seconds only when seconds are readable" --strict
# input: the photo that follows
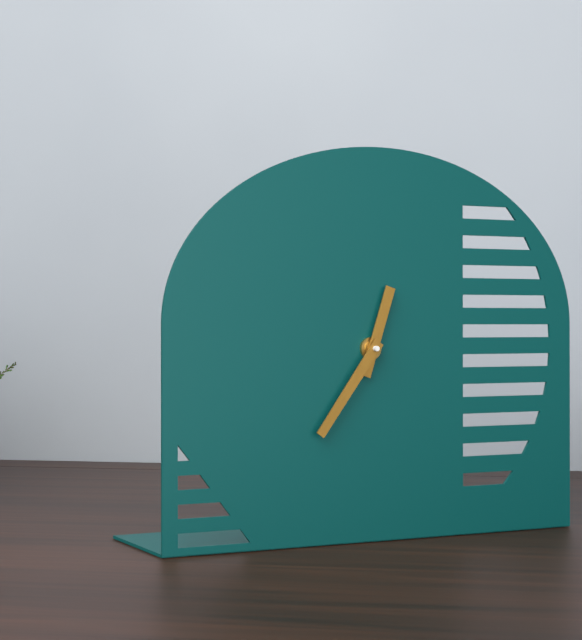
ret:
12:36
